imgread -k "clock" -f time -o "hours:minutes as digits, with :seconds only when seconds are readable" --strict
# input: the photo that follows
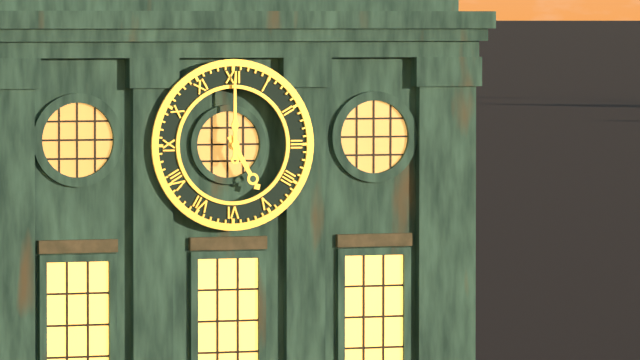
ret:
5:00
